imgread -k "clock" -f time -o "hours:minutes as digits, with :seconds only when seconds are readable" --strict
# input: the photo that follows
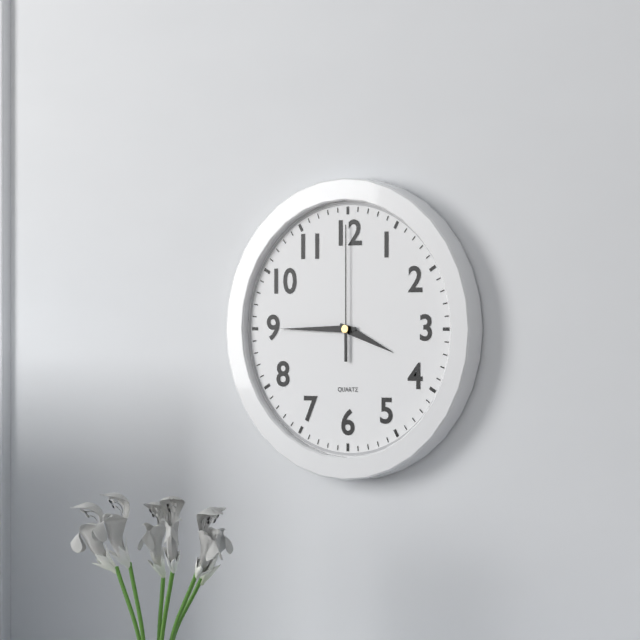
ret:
3:45:00
